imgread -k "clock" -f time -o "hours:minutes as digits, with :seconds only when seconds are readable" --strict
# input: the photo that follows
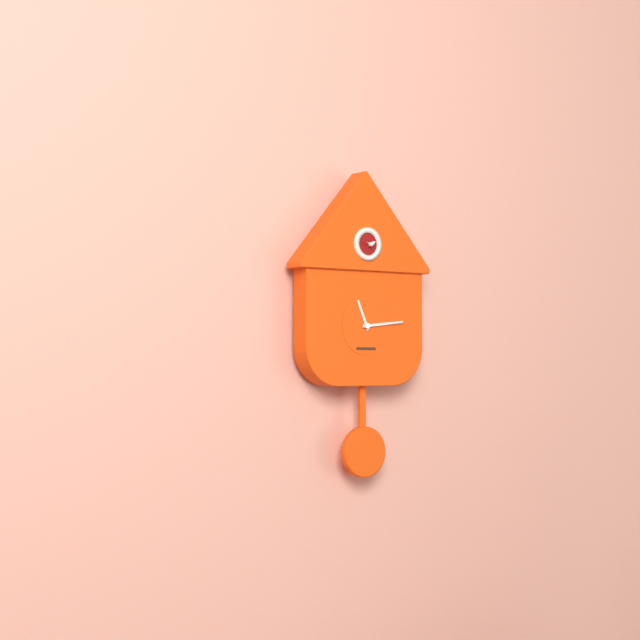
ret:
11:14
